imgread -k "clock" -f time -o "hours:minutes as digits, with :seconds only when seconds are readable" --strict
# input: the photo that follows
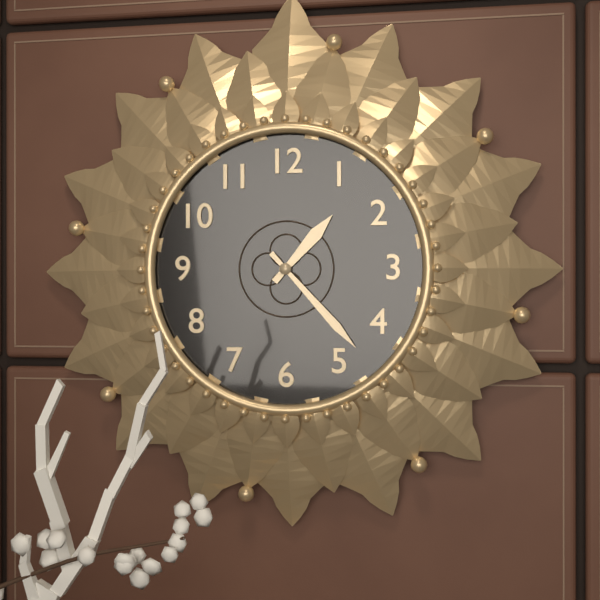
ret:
1:23
